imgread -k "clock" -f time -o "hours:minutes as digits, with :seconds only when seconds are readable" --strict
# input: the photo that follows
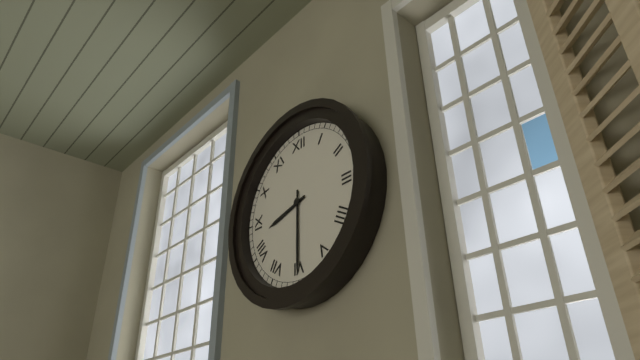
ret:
8:30
